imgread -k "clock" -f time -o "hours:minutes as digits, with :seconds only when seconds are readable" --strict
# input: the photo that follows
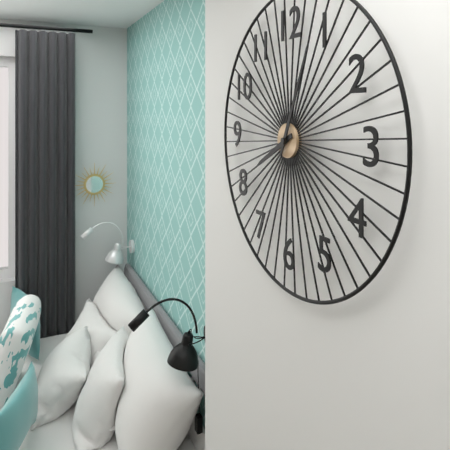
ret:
8:04
